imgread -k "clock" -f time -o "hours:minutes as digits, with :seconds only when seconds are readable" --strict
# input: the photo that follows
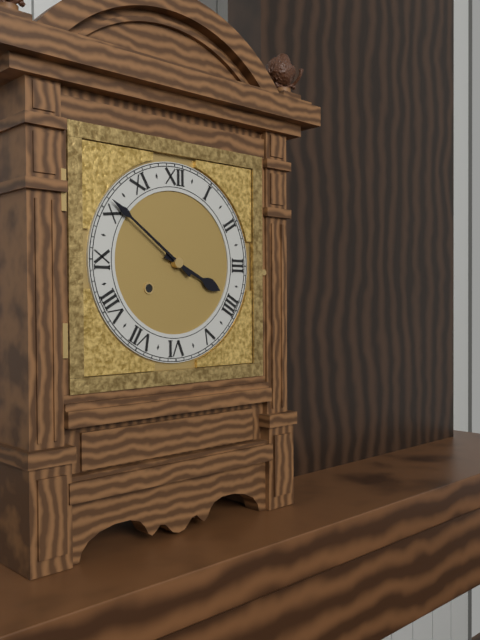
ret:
3:51
